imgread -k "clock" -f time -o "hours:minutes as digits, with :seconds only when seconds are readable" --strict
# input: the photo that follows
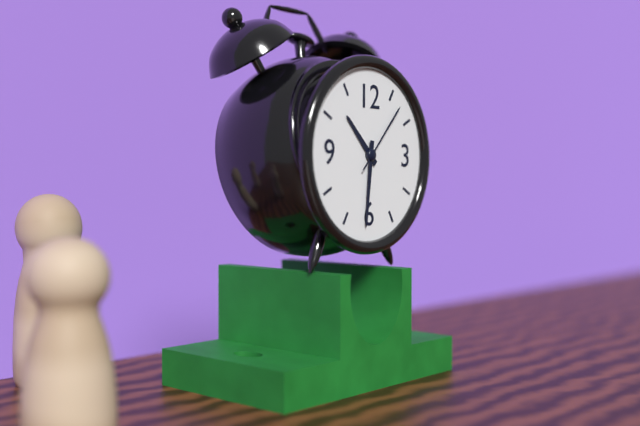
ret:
10:31:07
